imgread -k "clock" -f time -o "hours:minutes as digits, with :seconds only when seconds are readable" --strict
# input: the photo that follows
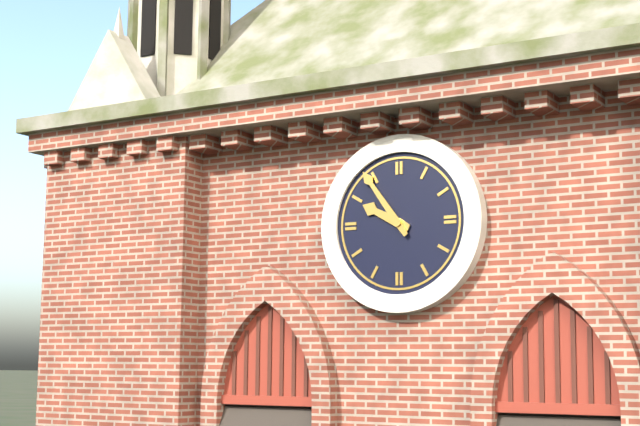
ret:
9:54
